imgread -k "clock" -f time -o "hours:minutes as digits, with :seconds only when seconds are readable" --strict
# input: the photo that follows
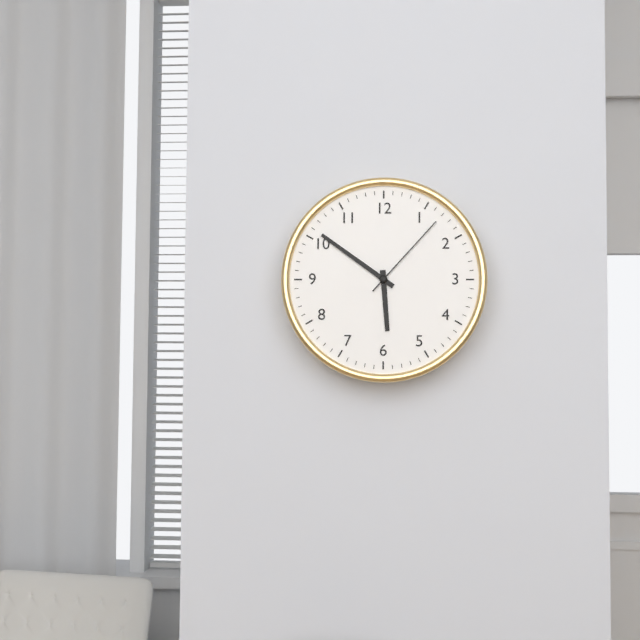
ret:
5:51:07
